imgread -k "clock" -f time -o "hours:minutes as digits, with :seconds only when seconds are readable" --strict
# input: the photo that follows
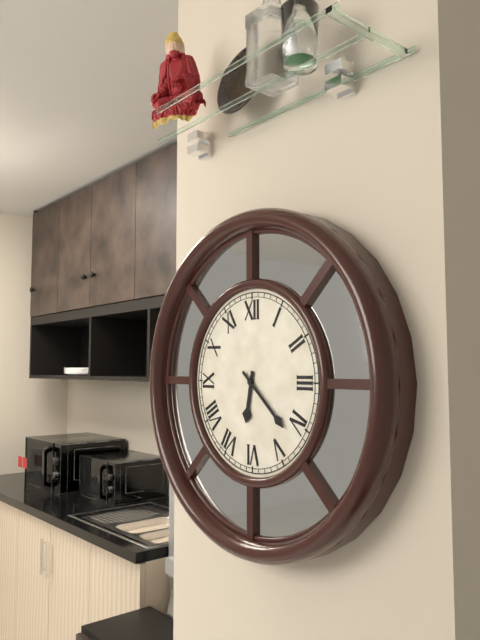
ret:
6:22
